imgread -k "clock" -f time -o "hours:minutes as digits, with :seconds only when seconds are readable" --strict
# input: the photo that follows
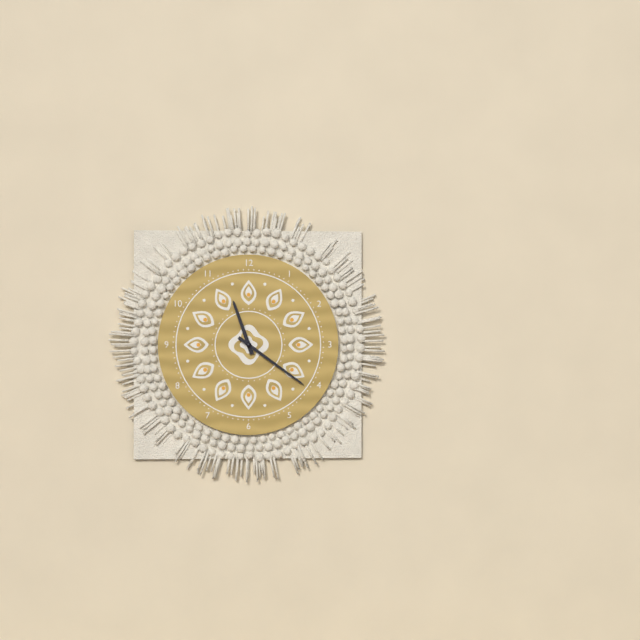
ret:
11:21
